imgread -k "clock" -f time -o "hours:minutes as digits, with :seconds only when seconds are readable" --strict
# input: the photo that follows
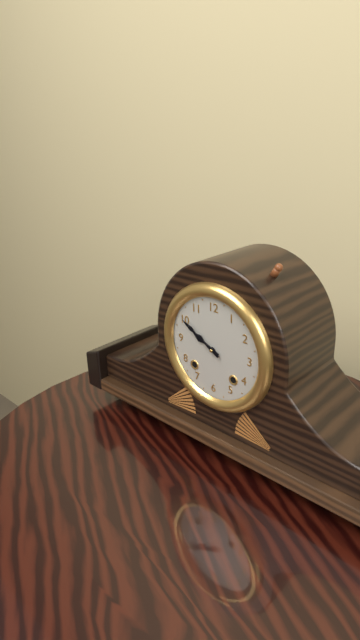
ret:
9:50
